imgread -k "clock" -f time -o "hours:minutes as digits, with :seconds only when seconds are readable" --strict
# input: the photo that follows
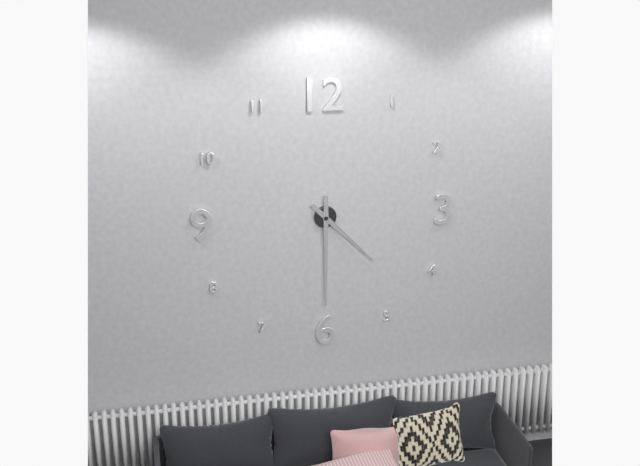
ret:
4:30
